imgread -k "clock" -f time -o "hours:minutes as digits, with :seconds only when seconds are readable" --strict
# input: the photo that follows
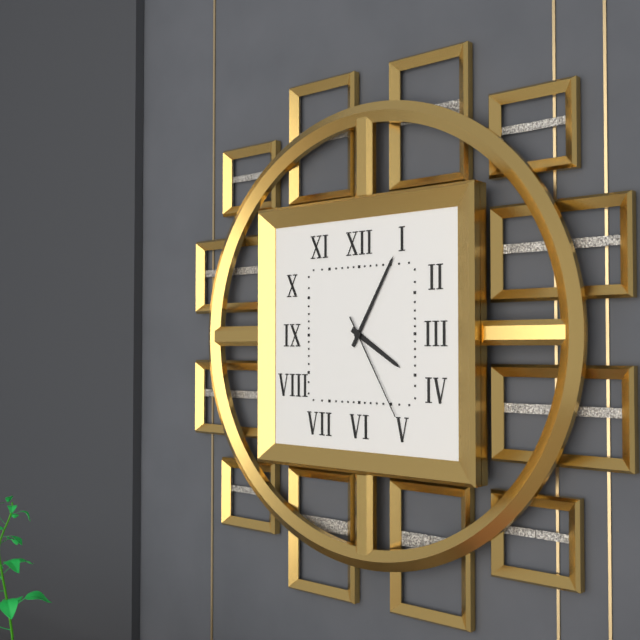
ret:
4:05:25
